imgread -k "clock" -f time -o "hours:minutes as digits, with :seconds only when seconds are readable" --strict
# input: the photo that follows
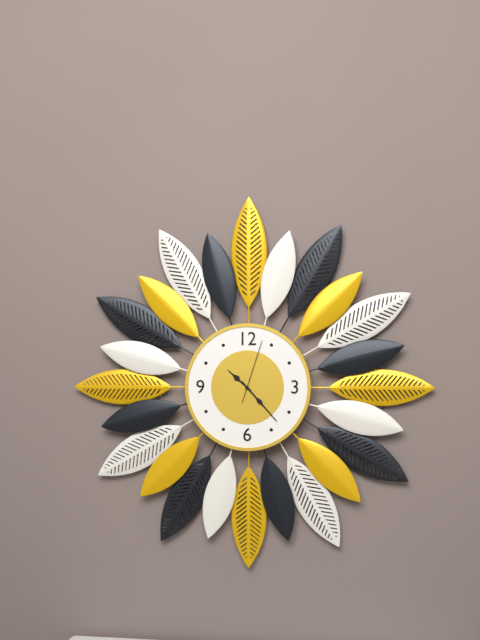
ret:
10:23:03
